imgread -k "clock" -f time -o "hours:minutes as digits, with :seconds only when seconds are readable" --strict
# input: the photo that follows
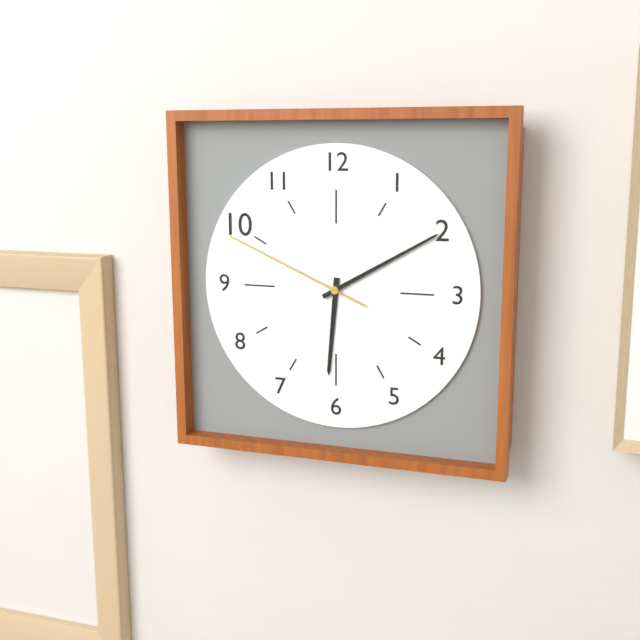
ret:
6:10:49
